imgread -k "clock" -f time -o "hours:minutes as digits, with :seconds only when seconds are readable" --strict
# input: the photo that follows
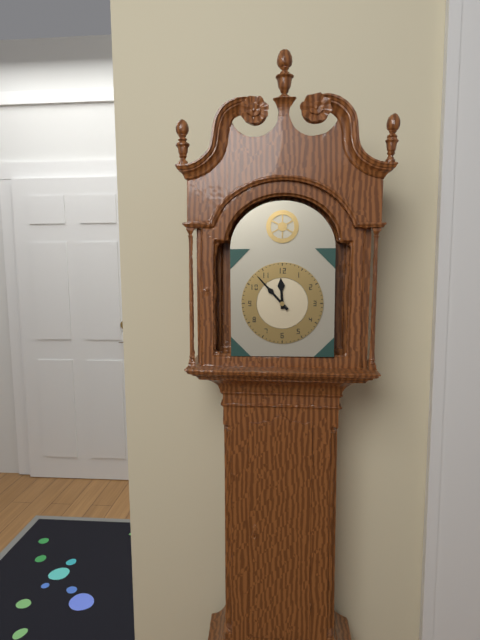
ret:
11:53
